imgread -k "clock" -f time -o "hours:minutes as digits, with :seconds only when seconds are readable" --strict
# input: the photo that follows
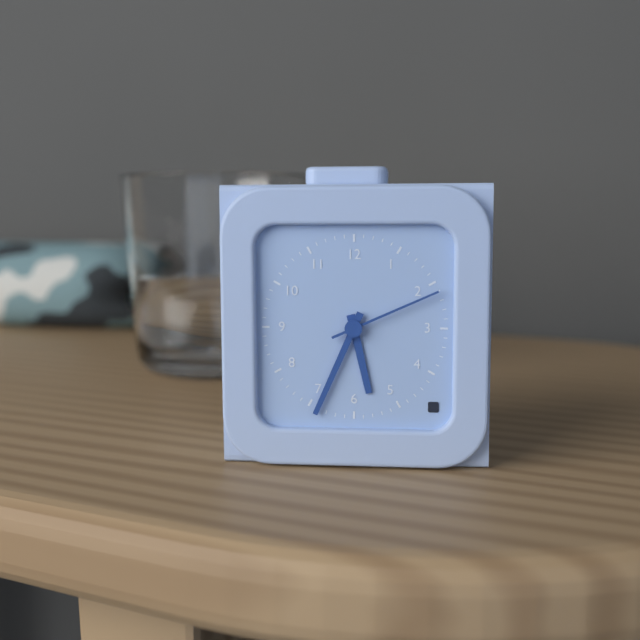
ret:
5:34:11
